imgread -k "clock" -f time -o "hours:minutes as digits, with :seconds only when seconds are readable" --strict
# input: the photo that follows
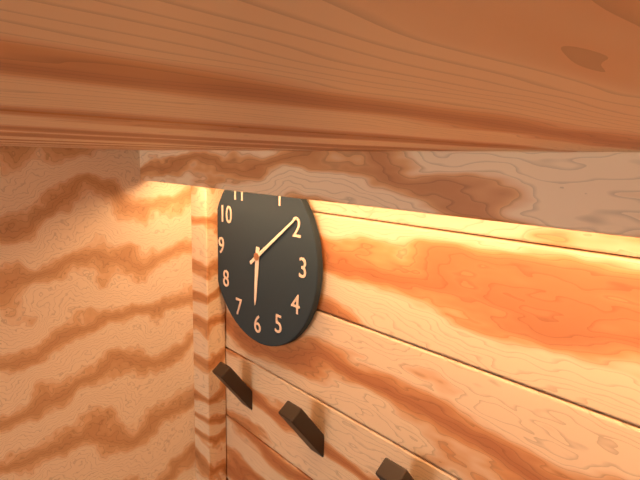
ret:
6:09
